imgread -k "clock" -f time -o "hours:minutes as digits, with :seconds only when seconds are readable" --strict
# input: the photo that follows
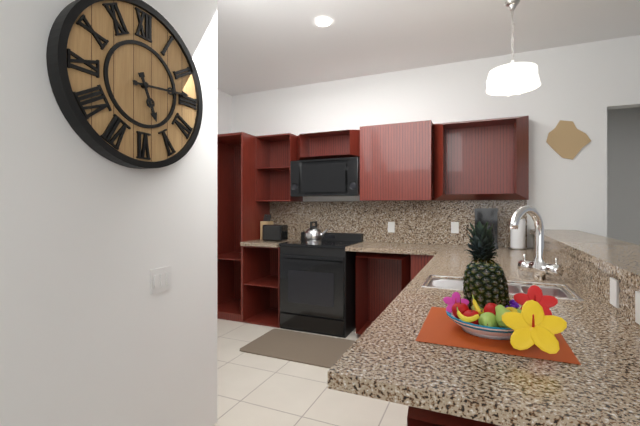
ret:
5:14
